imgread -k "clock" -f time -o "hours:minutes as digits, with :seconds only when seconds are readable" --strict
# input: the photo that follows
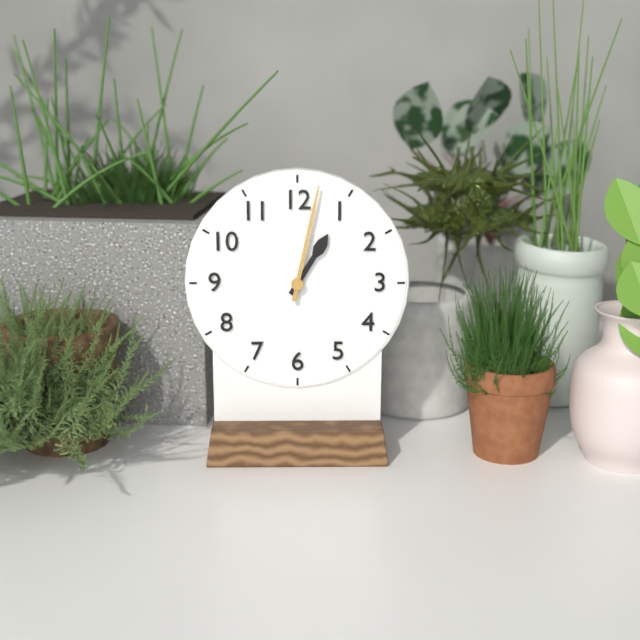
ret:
1:02
